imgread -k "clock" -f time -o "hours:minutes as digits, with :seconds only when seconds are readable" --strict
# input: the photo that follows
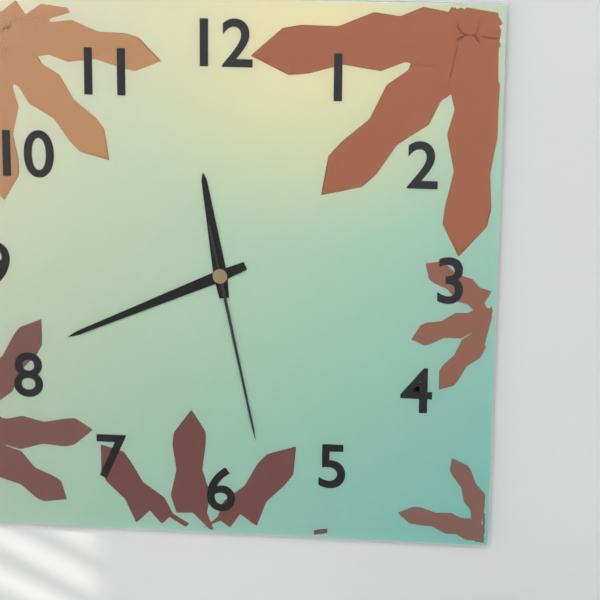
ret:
11:41:28
